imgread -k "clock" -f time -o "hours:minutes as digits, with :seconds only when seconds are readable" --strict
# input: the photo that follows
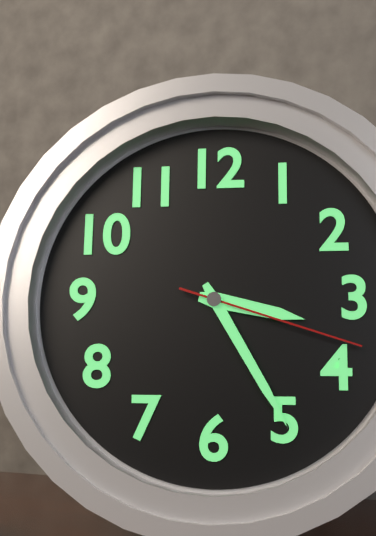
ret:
3:25:18
